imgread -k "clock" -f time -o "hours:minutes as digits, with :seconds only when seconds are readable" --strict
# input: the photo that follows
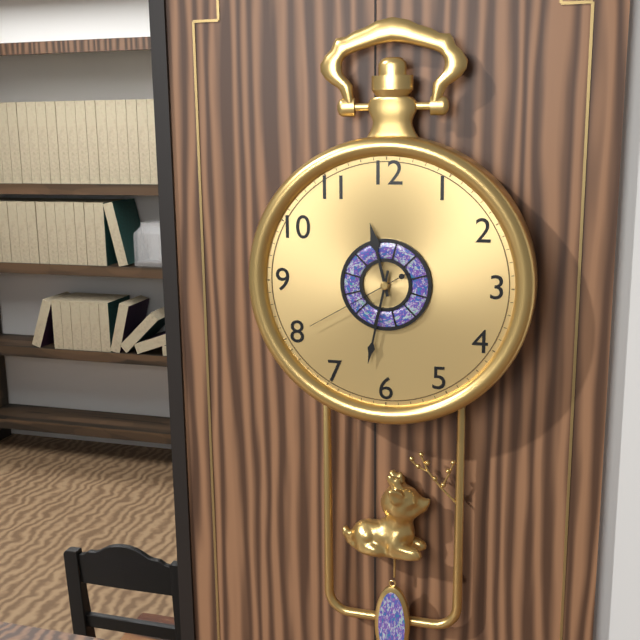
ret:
11:32:40
